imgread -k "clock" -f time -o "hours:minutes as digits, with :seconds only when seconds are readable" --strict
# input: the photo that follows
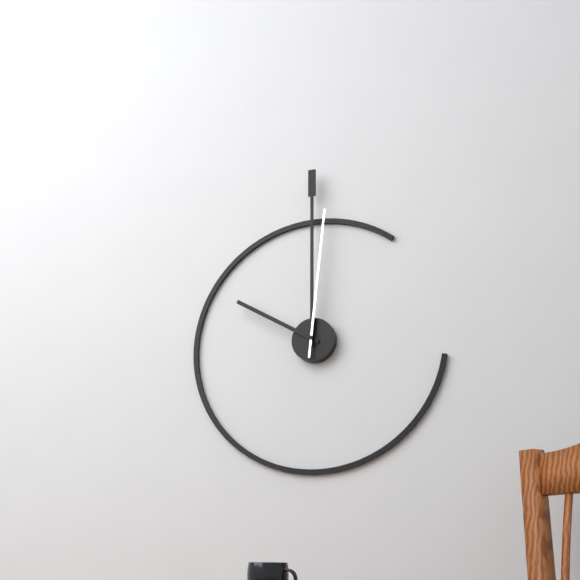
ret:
10:00:01
